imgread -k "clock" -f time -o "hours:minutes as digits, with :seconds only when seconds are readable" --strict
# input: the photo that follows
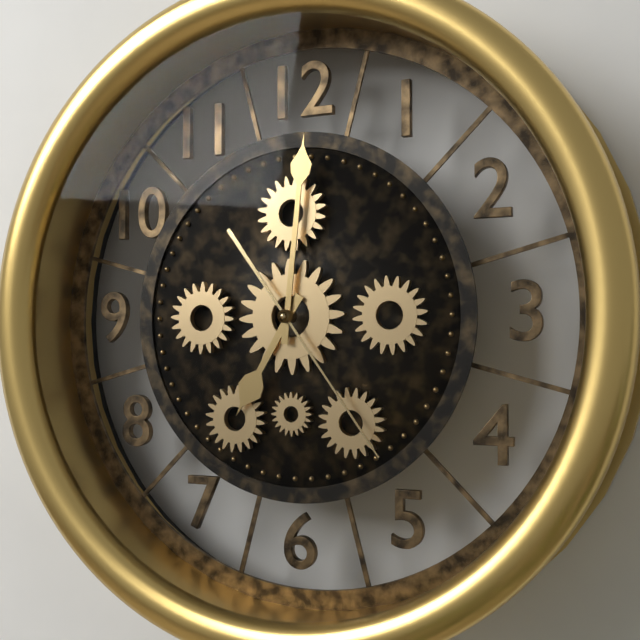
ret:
7:01:24
